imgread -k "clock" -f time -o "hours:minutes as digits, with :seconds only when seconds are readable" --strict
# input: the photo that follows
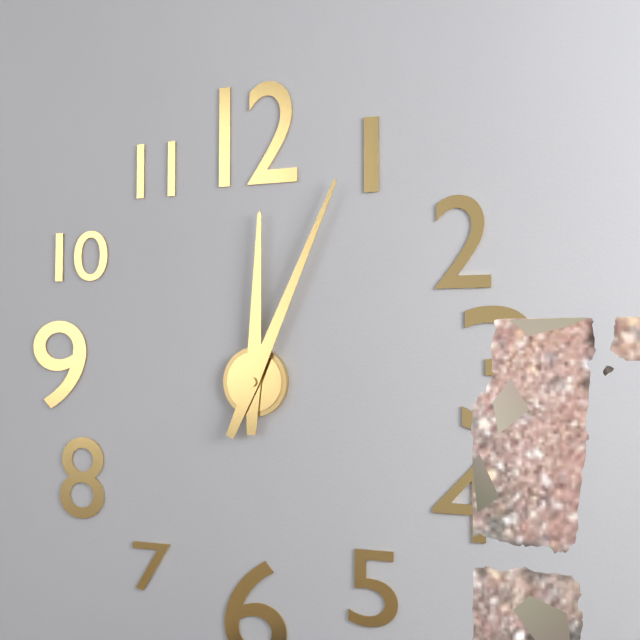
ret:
12:04
